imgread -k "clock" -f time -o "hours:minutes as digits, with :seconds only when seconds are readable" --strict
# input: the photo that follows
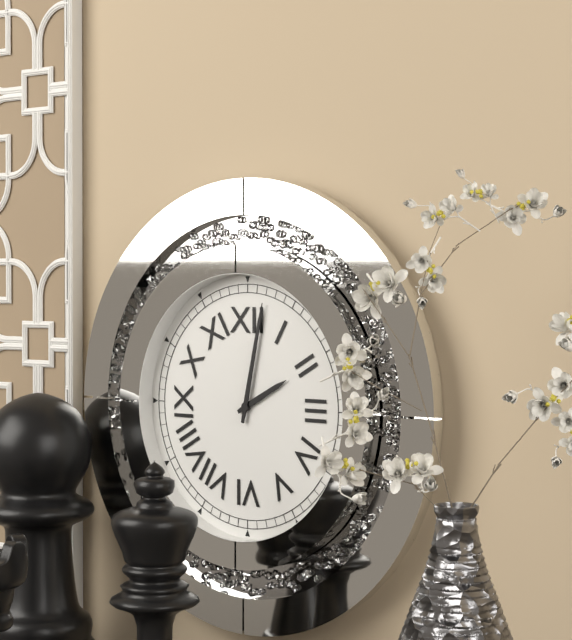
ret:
2:02
